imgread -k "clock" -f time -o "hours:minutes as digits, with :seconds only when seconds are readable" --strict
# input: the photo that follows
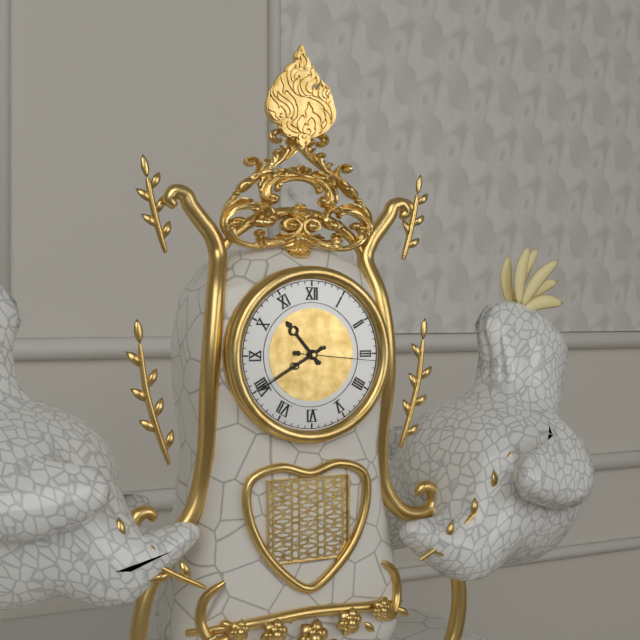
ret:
10:40:16
